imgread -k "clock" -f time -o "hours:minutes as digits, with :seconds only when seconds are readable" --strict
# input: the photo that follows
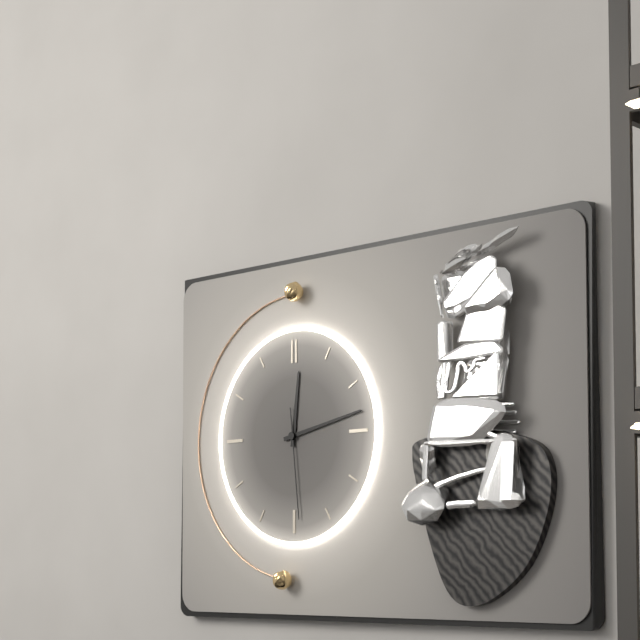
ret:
12:13:29
